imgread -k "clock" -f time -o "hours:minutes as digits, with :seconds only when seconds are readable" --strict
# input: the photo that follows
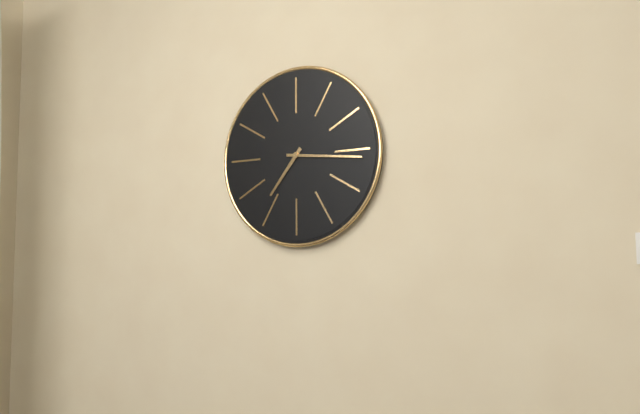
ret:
7:16
